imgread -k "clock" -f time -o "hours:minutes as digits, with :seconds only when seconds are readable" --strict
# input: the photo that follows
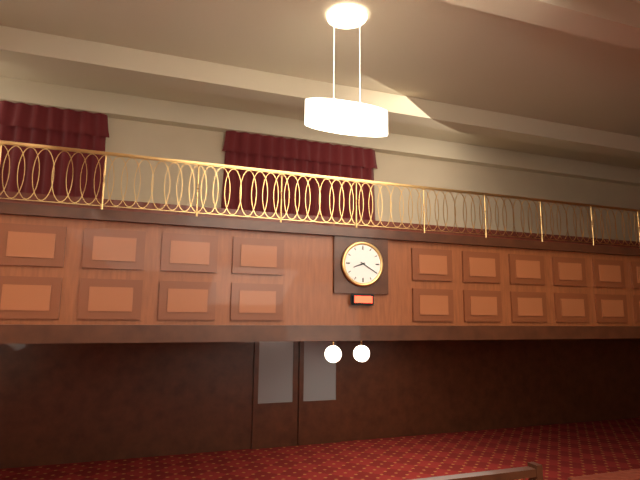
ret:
8:20
